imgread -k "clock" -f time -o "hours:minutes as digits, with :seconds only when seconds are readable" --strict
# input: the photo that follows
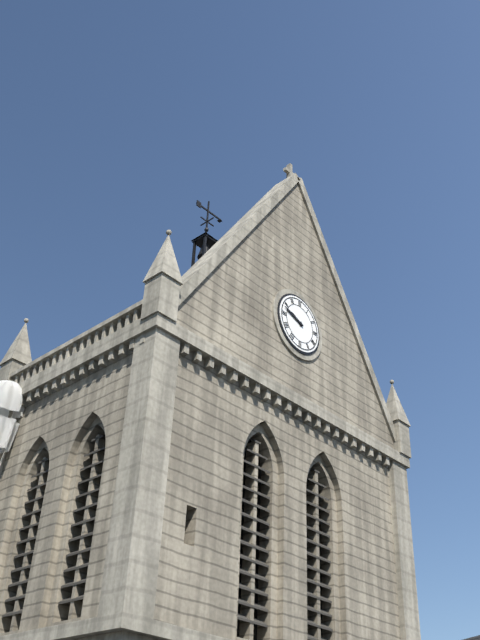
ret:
9:48
